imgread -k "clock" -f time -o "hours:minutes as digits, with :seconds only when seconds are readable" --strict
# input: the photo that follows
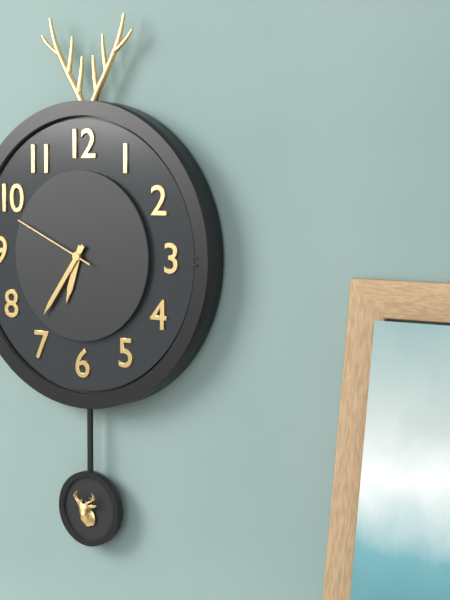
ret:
6:36:49
